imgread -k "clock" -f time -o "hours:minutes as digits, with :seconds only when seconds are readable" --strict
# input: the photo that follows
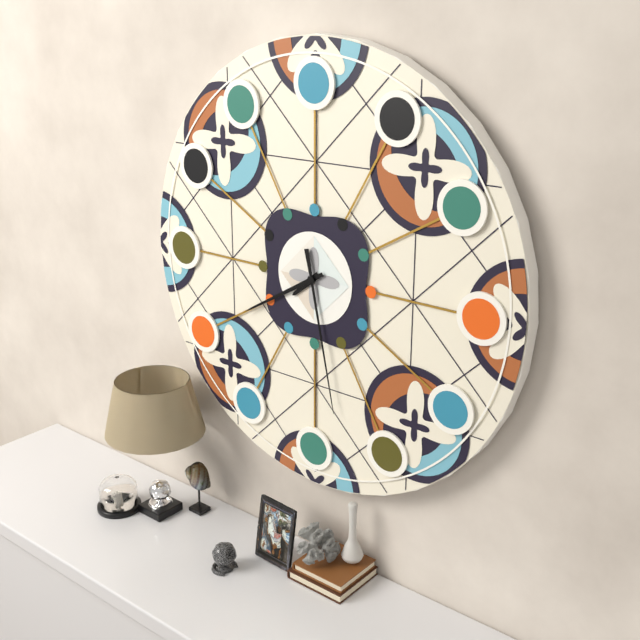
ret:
7:40:28
